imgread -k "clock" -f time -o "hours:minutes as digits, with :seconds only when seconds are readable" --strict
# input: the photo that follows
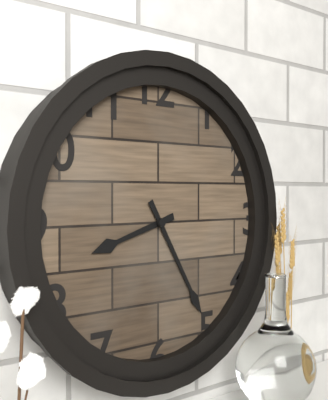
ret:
8:25
